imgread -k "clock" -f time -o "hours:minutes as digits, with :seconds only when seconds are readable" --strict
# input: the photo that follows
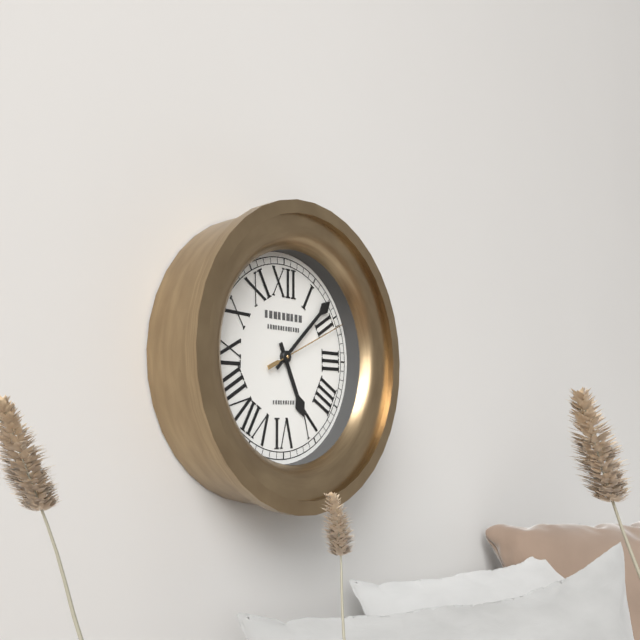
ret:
5:08:11
